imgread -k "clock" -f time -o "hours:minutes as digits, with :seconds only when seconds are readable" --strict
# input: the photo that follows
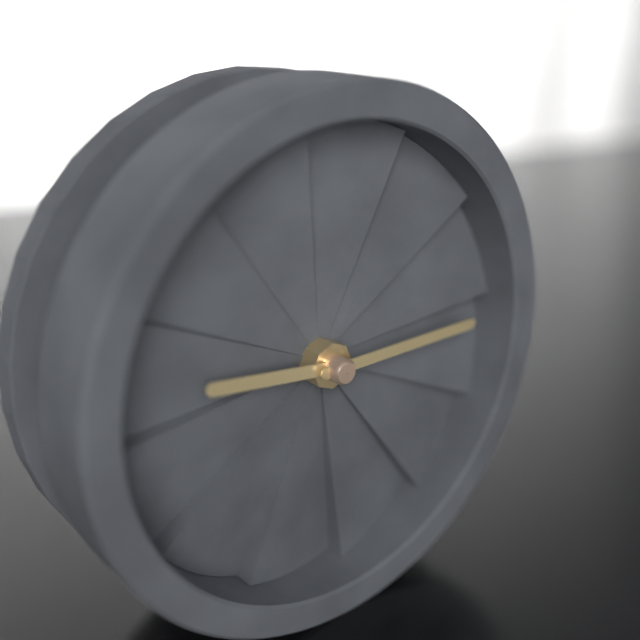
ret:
9:15
